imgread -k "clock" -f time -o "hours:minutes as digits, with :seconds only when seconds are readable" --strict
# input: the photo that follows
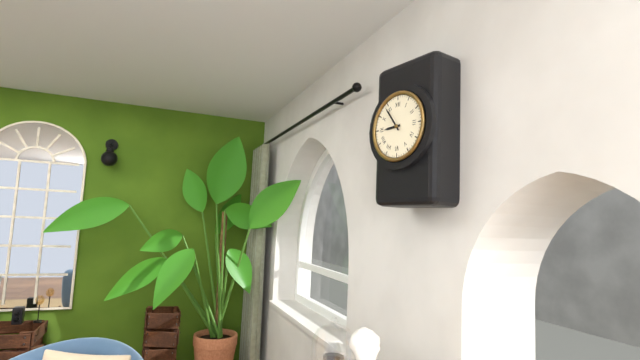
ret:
8:54
